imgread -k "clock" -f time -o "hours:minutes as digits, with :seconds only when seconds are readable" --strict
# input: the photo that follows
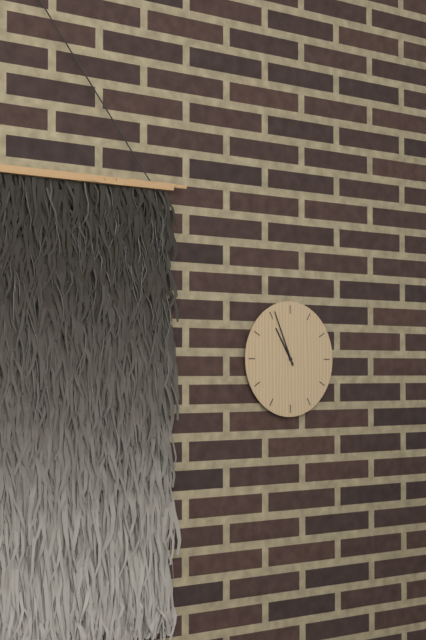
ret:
10:56
